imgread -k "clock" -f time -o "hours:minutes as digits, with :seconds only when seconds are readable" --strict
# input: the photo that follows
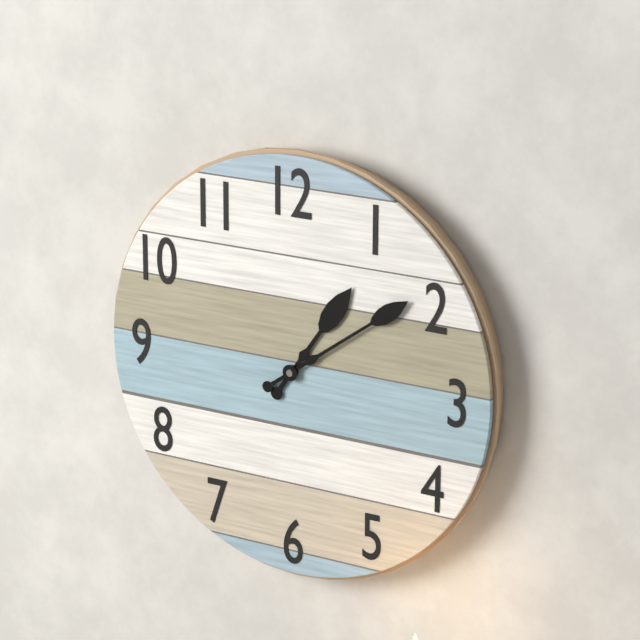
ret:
1:09
